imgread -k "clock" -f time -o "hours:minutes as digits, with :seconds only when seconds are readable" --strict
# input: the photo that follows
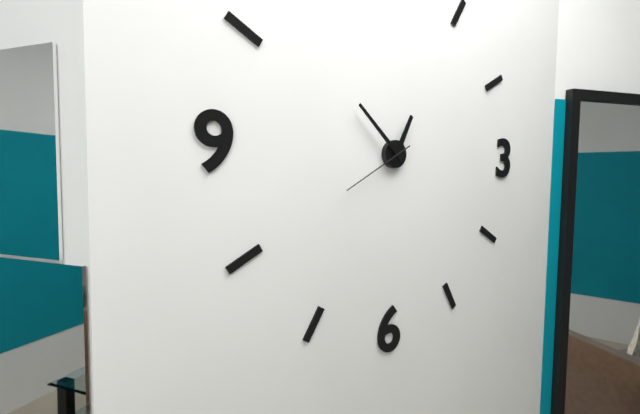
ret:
12:52:40
